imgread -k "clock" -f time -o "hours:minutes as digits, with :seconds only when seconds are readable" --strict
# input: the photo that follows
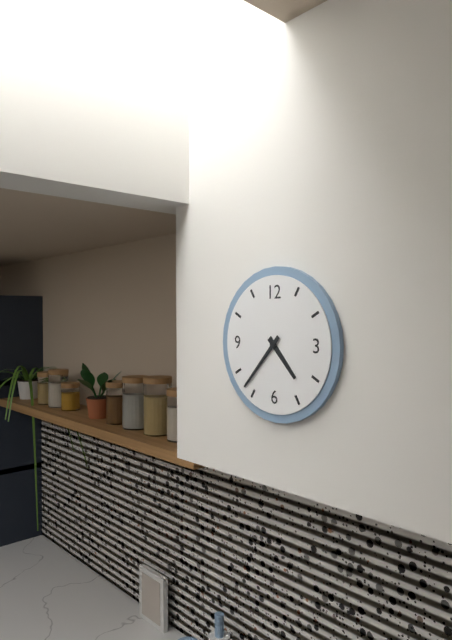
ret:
4:37
